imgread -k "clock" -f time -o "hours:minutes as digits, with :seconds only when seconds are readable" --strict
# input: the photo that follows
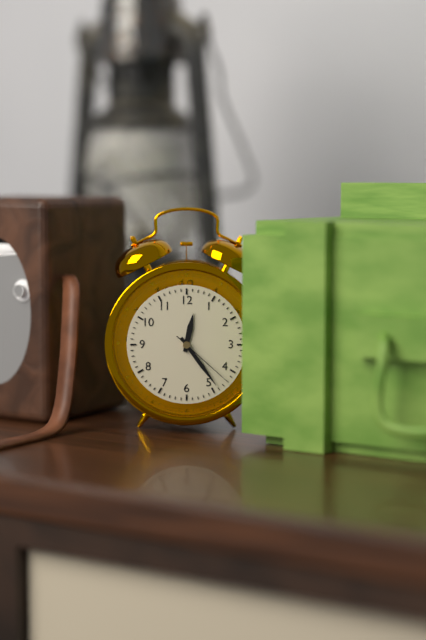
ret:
12:24:22
